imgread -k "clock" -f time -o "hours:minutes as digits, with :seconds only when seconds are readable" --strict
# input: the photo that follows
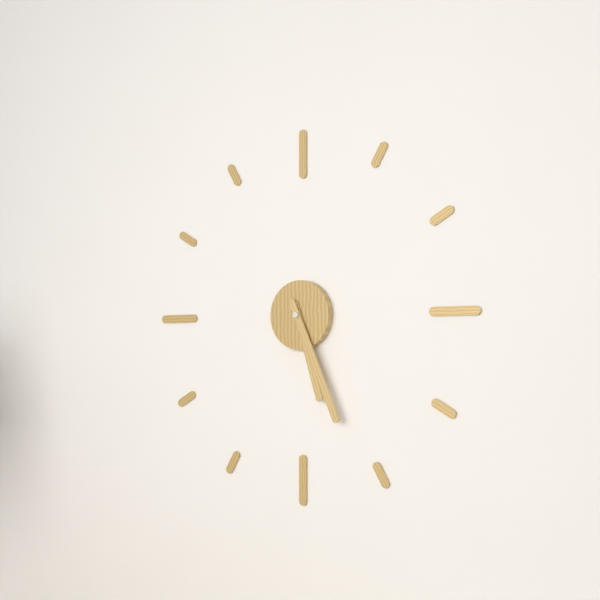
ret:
5:26
